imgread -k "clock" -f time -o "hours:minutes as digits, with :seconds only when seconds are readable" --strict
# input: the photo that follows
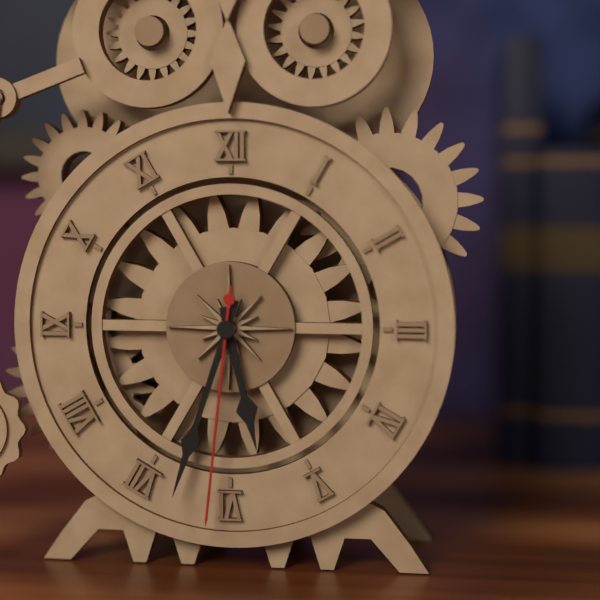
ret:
5:33:31
